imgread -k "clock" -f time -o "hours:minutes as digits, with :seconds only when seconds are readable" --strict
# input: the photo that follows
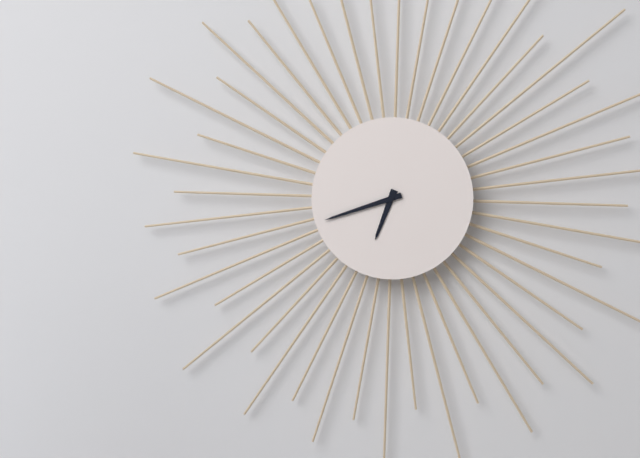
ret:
6:42
